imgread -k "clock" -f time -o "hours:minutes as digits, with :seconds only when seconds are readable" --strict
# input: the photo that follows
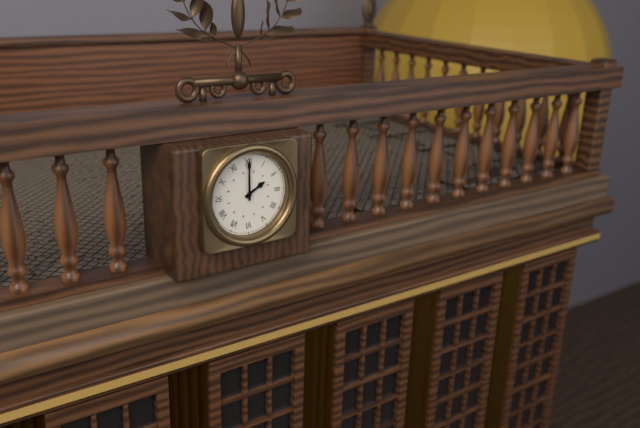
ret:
2:00
